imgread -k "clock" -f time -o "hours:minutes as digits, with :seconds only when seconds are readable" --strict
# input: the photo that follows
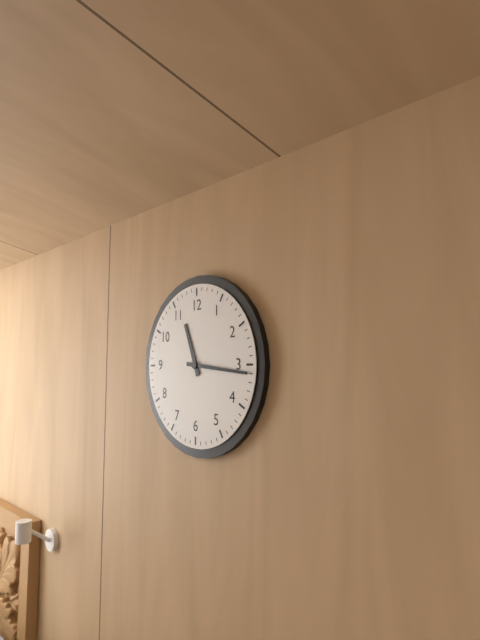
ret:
11:16
